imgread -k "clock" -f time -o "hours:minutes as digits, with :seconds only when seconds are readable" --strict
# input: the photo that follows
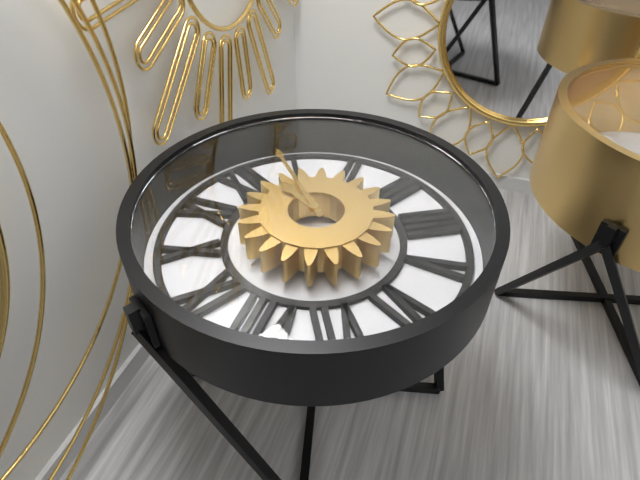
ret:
12:03
